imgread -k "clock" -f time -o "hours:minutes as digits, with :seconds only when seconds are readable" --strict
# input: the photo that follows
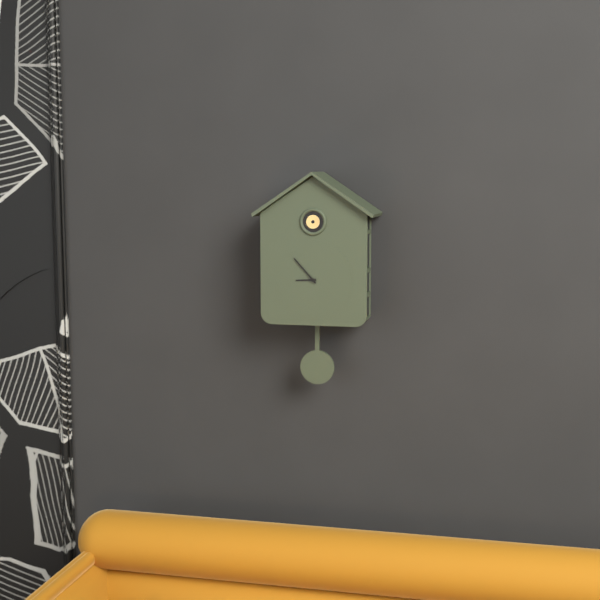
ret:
8:53
